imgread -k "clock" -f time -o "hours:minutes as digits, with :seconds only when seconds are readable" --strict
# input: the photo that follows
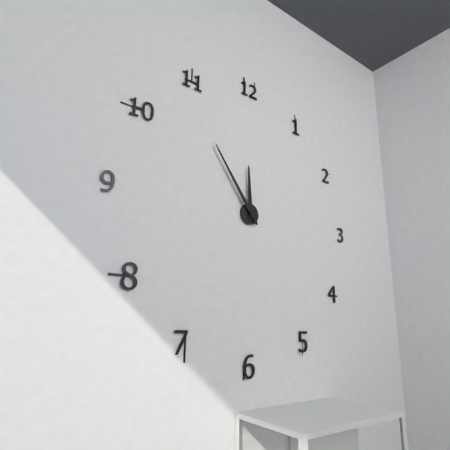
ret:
11:54
